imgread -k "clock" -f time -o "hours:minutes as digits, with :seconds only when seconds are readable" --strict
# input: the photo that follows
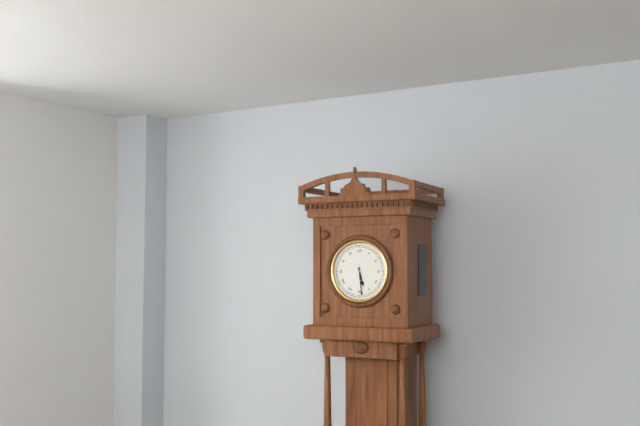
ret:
5:29
